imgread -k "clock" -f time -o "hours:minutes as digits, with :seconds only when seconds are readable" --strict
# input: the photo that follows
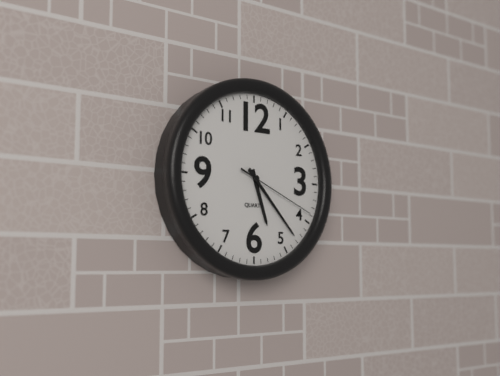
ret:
5:23:19
